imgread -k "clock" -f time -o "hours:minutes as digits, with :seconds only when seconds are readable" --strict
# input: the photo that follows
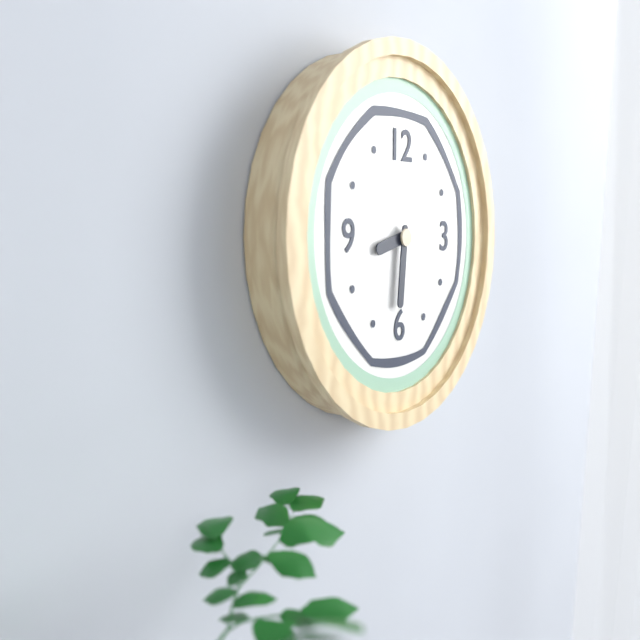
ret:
8:31
